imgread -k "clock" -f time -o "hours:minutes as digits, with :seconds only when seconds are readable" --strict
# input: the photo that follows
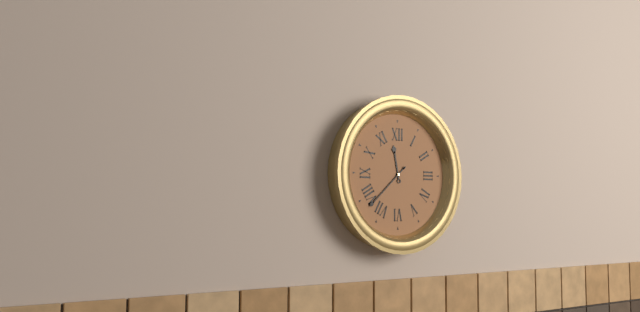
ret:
11:38
